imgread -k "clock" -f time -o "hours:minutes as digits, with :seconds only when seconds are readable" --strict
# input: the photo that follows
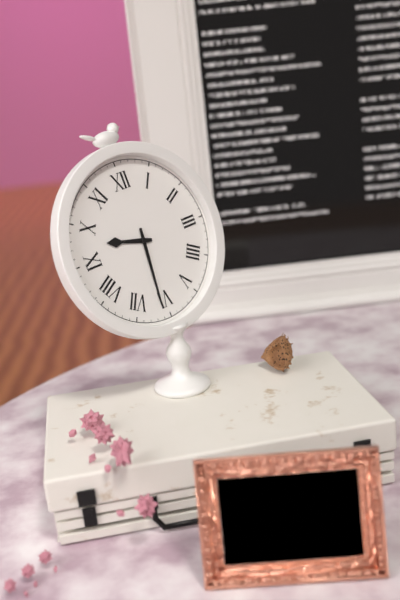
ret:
9:31
